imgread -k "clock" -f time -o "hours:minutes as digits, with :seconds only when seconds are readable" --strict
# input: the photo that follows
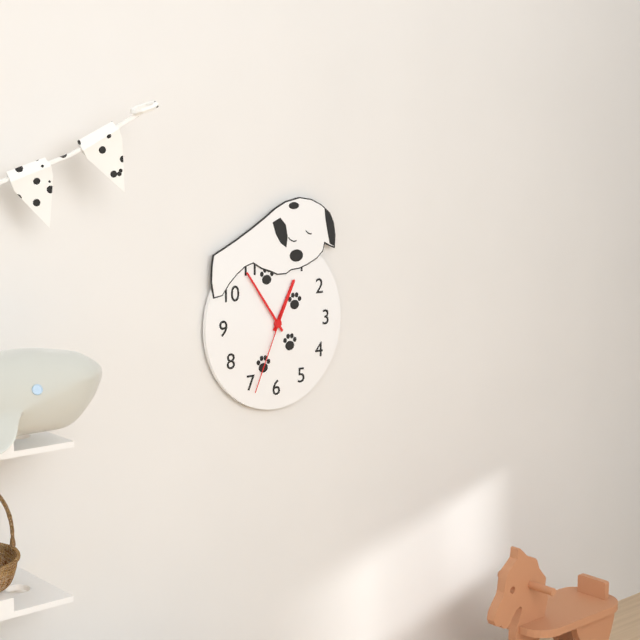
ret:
12:54:34
